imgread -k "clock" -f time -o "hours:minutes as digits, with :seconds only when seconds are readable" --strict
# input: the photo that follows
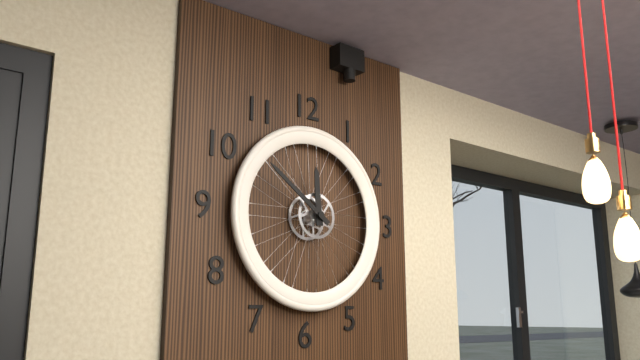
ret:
11:51
